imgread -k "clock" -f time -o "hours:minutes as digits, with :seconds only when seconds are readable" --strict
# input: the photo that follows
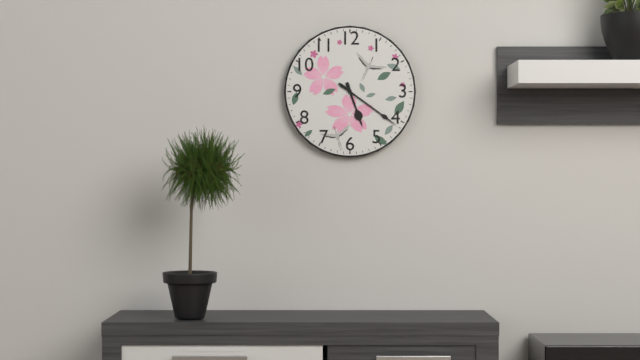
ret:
5:21
